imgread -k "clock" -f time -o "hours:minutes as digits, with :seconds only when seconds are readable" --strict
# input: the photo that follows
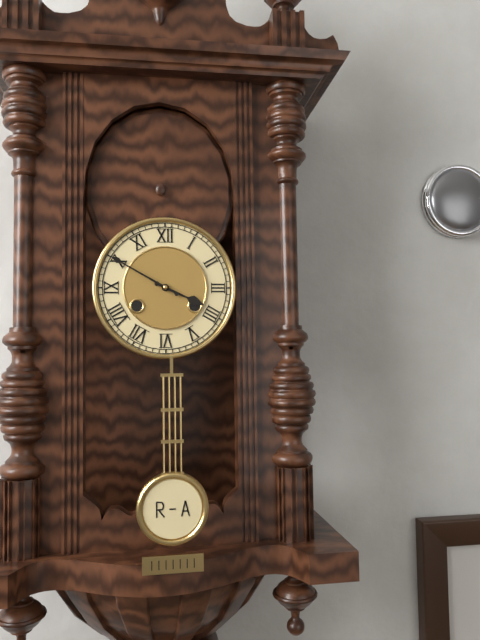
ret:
3:50
